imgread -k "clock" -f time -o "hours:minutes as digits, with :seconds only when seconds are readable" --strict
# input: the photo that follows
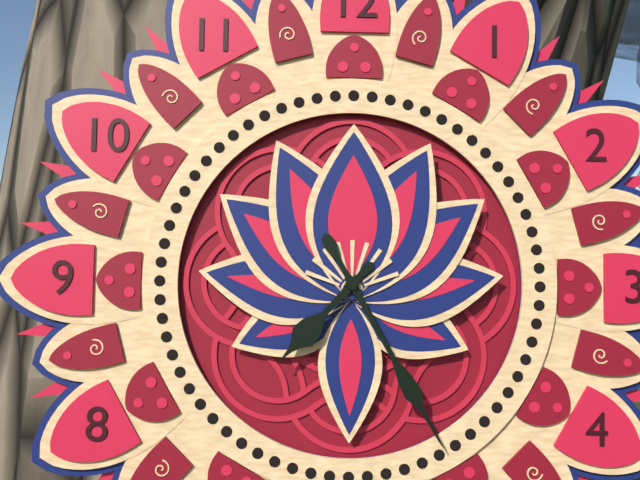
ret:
7:25
